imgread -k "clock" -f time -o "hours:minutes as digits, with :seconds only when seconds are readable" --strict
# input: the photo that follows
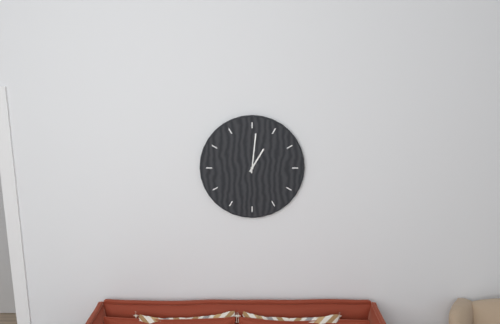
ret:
1:01
